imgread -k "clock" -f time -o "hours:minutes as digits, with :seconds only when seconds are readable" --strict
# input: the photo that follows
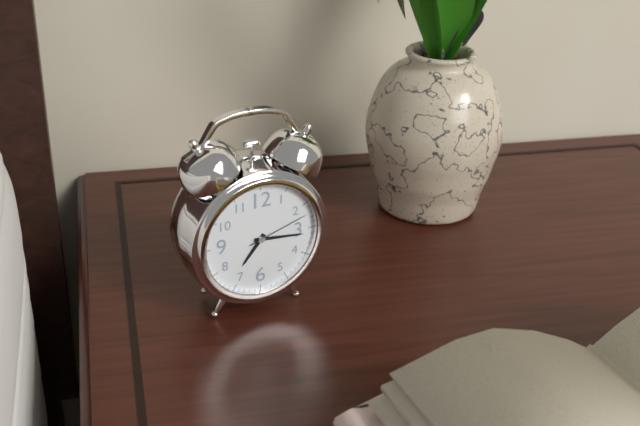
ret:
7:16:12
